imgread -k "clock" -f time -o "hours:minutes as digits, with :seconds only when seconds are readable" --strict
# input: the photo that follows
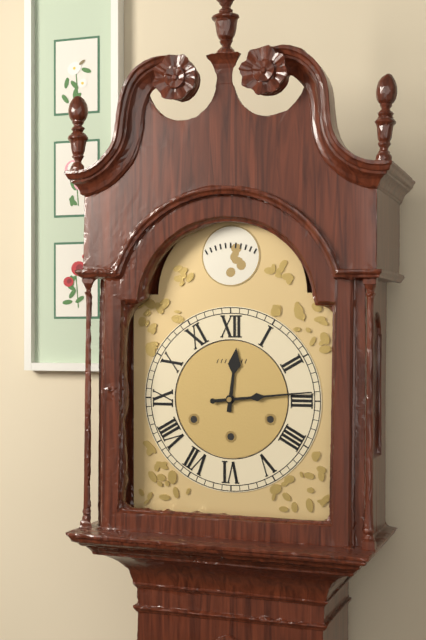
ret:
12:14
